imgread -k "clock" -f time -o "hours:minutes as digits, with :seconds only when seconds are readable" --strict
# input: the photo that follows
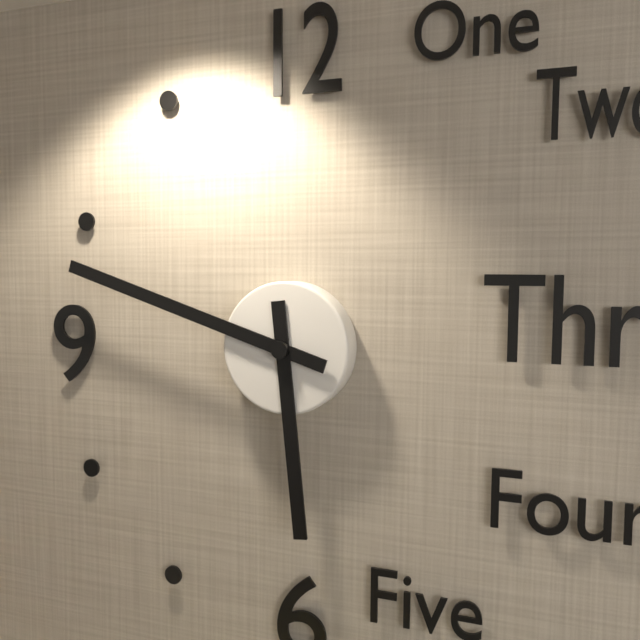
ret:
5:48
